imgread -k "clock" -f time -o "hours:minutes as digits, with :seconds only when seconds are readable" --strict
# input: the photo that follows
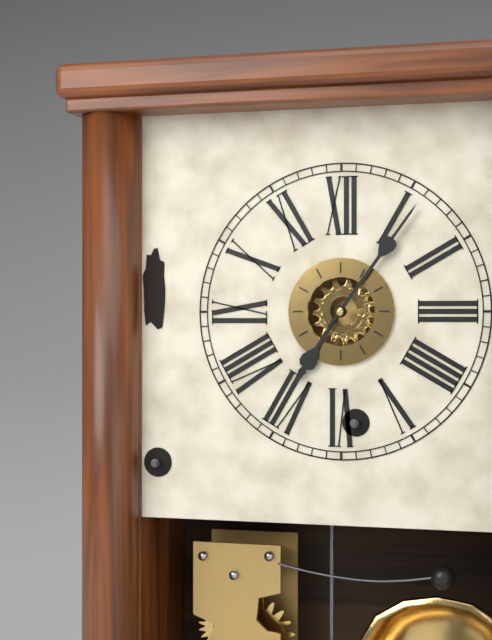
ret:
7:06
